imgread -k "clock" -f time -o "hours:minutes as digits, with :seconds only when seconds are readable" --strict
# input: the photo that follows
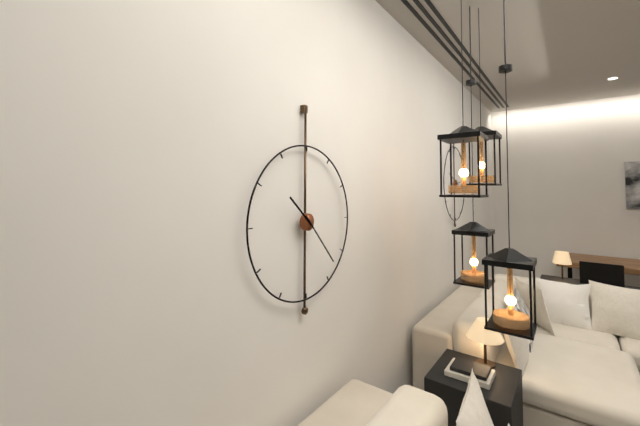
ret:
10:23
